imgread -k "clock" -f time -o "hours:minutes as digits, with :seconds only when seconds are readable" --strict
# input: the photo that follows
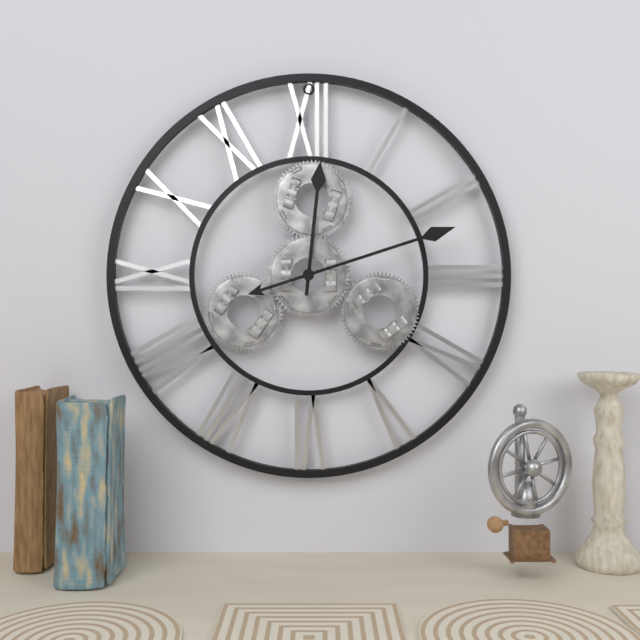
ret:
12:12
